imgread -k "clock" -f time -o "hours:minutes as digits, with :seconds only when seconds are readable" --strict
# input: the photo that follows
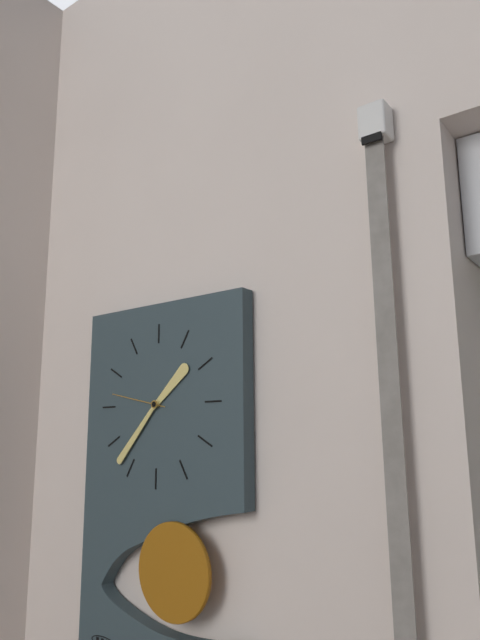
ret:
1:37:47
